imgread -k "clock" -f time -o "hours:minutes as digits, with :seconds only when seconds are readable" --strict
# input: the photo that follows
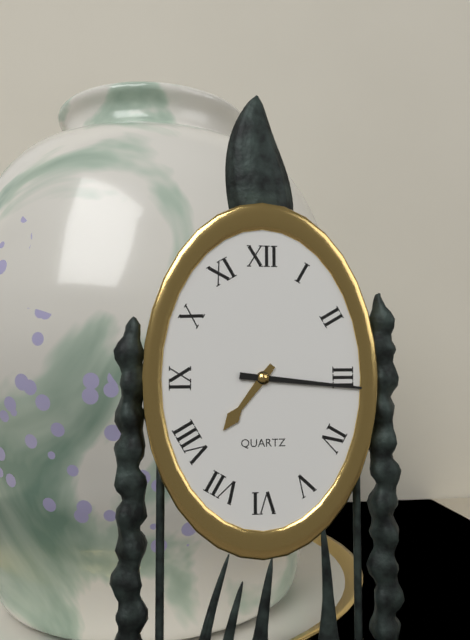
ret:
7:16
